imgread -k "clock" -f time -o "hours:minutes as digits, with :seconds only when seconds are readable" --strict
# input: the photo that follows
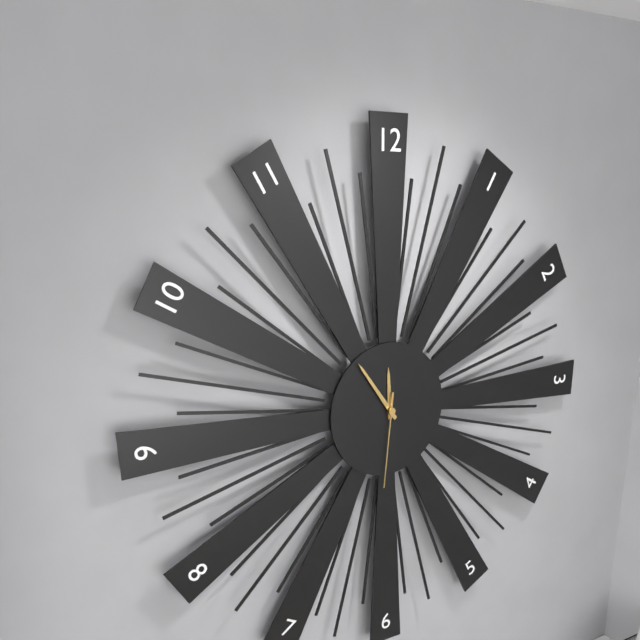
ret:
11:54:31
